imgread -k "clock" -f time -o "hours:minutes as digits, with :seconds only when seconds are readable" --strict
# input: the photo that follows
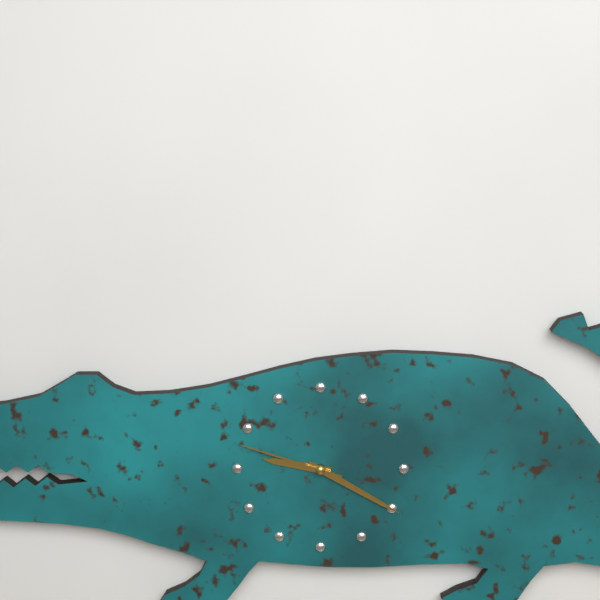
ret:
9:20:48
